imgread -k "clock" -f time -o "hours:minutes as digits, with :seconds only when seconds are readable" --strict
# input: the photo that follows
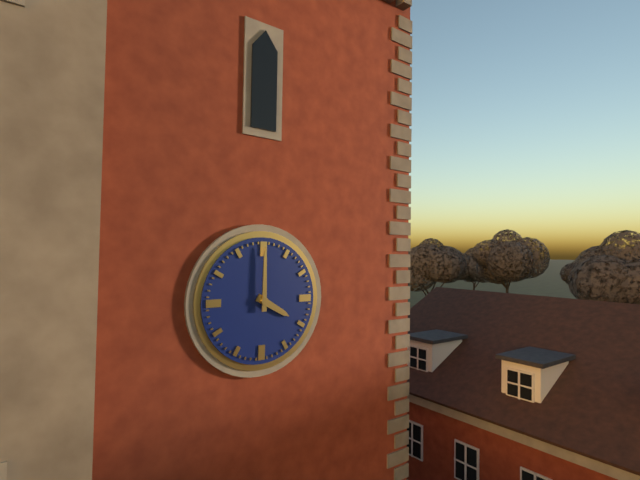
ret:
4:00
